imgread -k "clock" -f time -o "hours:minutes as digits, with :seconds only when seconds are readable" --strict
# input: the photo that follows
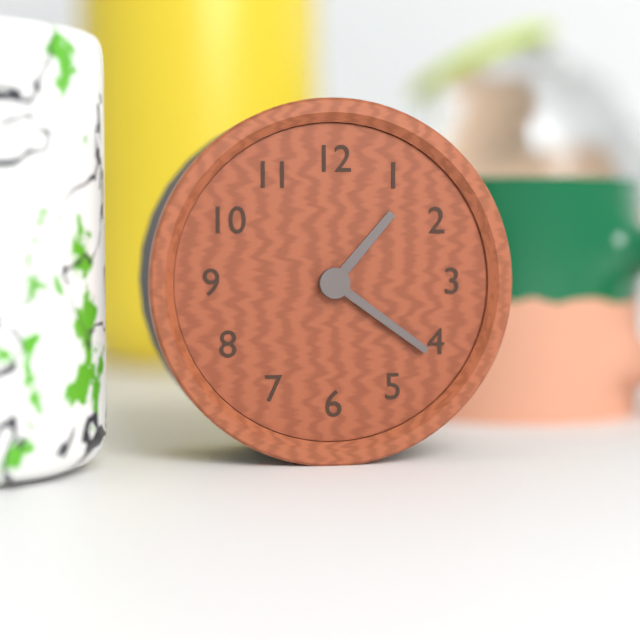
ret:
1:21
